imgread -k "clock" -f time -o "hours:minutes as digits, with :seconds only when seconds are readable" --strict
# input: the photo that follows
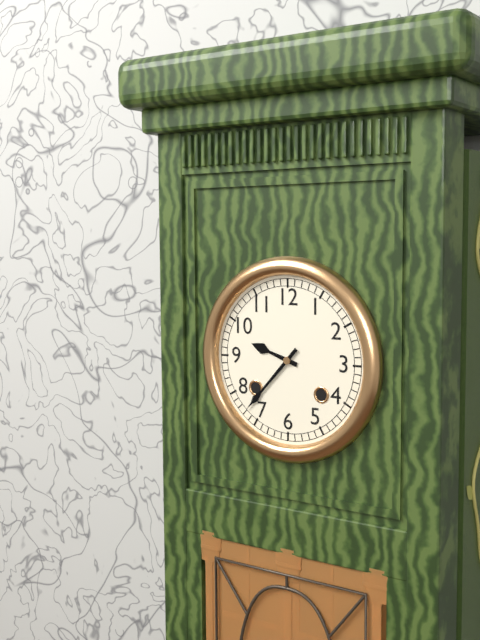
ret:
9:37
